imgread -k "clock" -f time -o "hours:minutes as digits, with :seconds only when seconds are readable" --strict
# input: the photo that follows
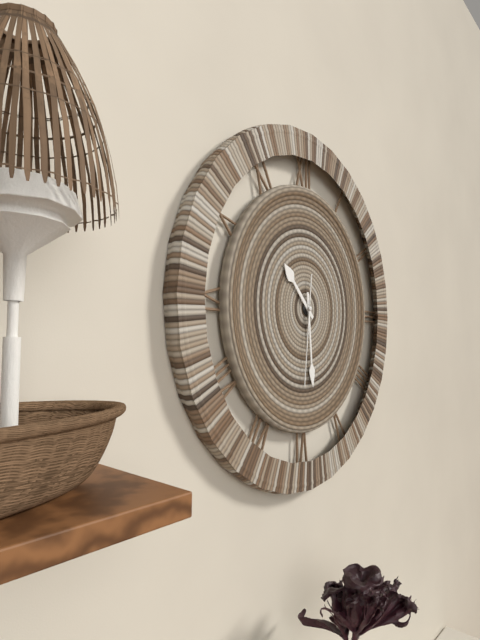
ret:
10:29:31
